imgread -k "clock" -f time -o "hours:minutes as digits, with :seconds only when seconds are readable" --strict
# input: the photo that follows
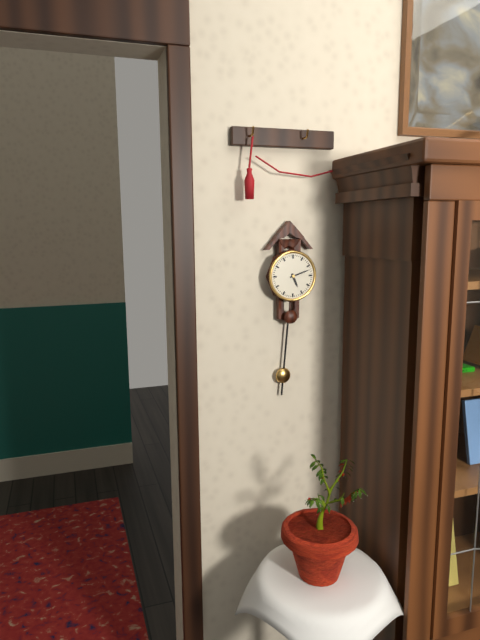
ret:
5:12
